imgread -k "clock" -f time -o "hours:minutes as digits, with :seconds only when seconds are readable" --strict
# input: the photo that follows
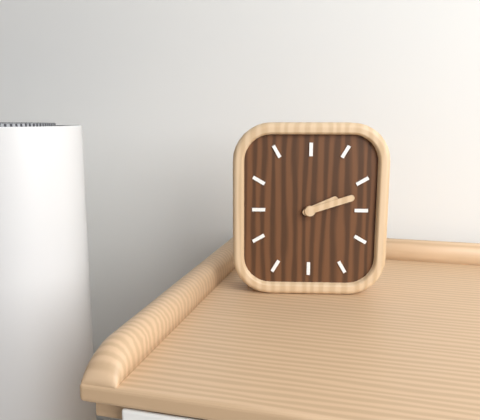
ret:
2:12
